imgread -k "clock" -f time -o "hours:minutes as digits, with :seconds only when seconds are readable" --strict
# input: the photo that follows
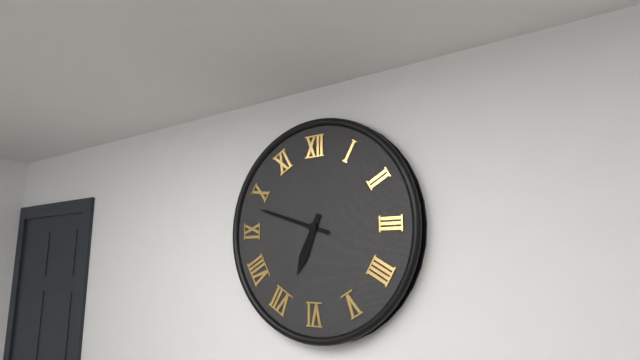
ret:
6:48
